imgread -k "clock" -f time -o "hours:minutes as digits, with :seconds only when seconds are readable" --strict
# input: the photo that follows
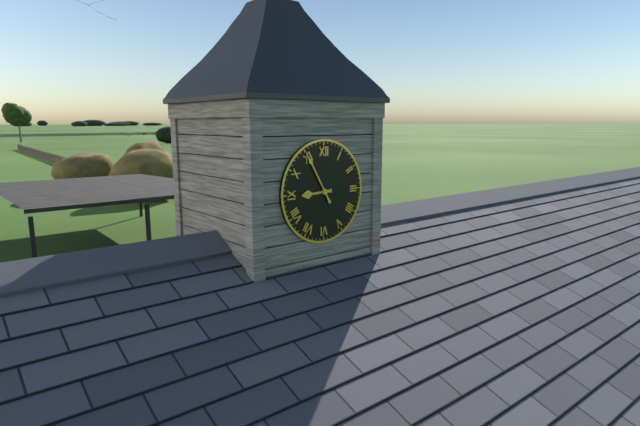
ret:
8:55
